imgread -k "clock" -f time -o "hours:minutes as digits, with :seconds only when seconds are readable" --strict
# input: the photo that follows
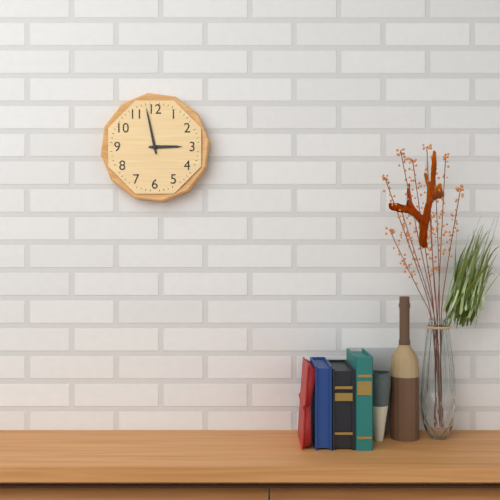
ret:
2:58
